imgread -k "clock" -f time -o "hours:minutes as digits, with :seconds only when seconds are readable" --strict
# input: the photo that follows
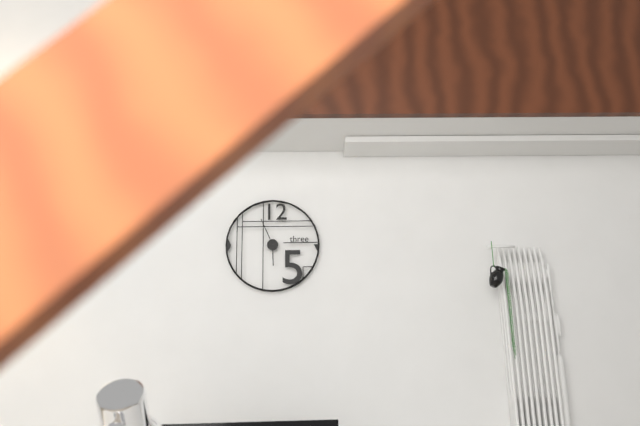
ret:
5:56
